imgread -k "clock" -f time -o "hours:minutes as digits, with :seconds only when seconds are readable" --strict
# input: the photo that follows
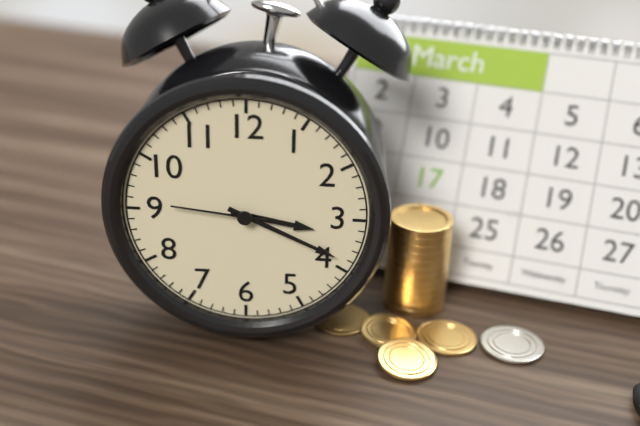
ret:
3:19:46
